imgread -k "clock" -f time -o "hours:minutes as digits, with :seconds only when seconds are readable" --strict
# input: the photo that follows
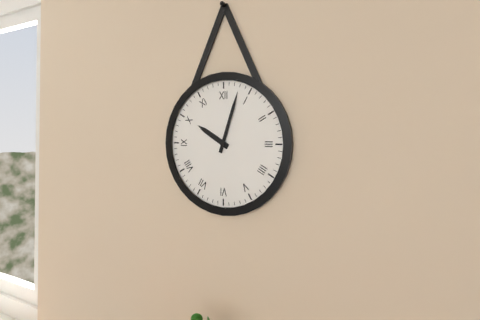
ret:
10:03
